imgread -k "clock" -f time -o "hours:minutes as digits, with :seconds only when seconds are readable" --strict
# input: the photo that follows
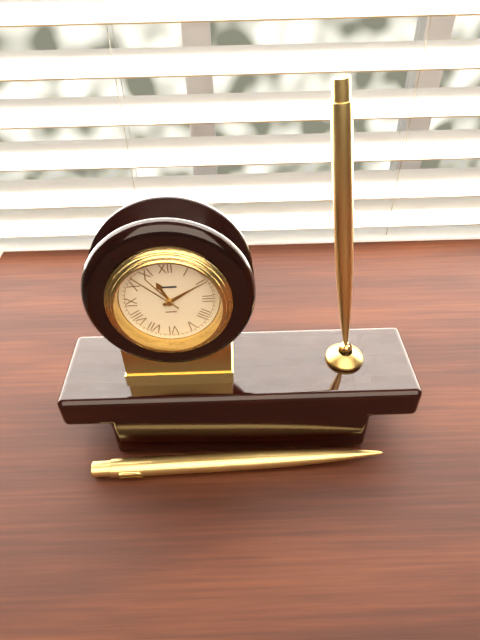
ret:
11:10:52
